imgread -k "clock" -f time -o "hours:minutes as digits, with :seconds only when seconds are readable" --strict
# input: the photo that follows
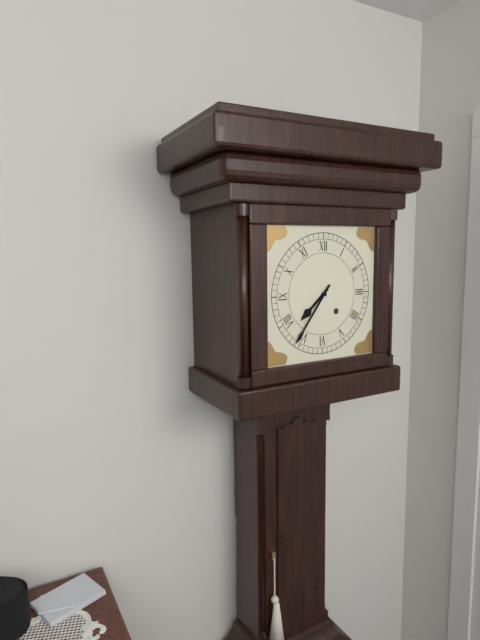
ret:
7:36
